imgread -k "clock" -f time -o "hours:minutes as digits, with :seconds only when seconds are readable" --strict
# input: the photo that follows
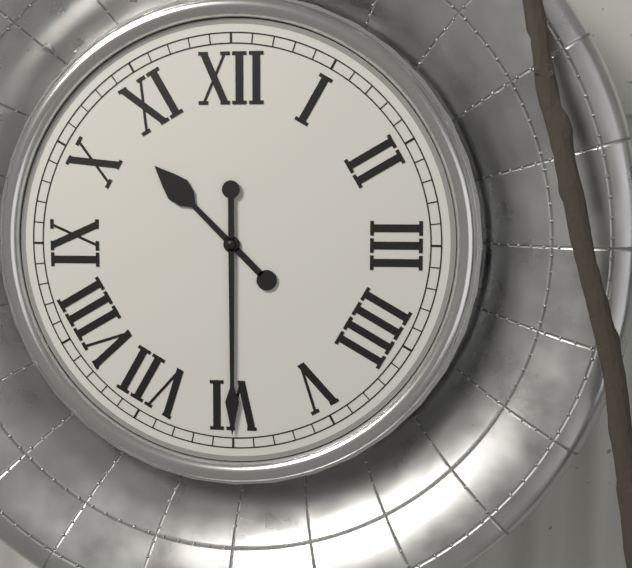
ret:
10:30
